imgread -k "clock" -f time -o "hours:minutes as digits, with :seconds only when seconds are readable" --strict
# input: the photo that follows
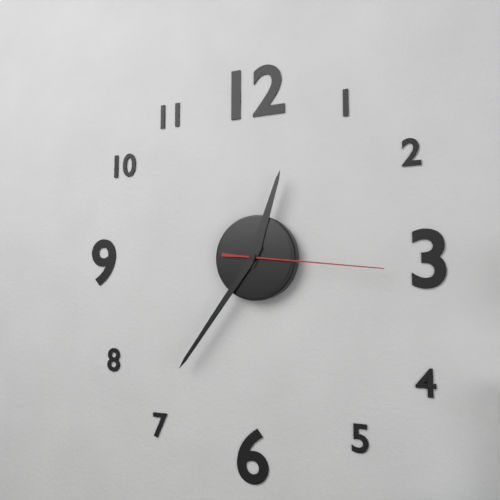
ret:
12:36:16
